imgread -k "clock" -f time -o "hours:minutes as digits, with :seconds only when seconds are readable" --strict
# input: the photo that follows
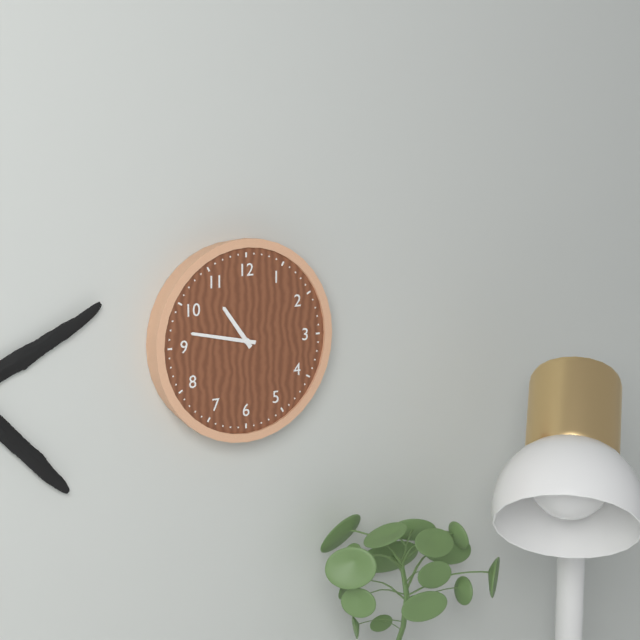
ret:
10:47
